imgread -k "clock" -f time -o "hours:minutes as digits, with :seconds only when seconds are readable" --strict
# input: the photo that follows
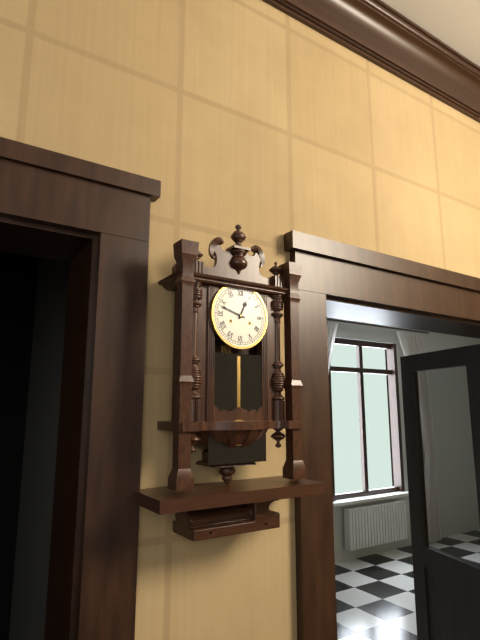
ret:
12:48
